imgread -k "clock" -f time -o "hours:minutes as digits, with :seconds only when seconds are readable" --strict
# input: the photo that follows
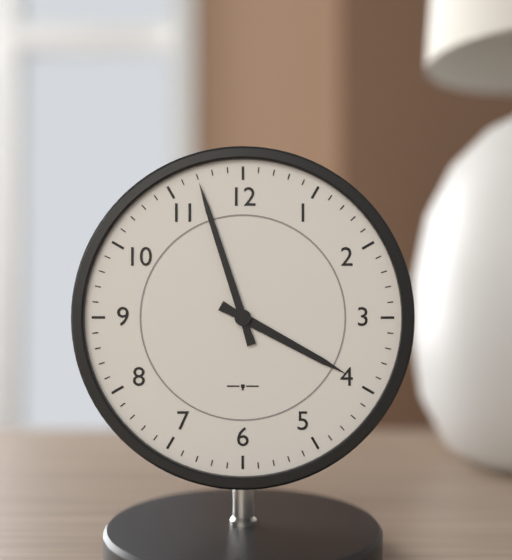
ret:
3:57
